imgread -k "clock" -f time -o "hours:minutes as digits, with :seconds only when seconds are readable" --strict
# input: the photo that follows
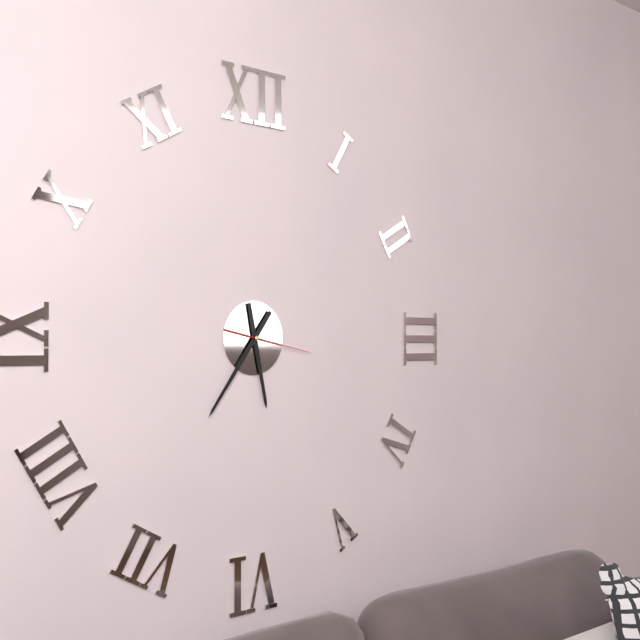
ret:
5:36:17
